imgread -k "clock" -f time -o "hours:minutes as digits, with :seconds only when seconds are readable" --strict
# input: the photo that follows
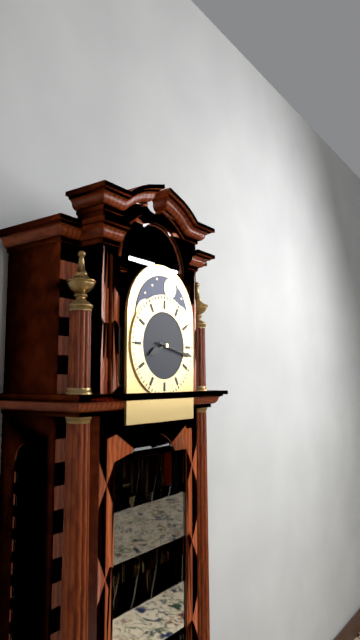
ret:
8:17
